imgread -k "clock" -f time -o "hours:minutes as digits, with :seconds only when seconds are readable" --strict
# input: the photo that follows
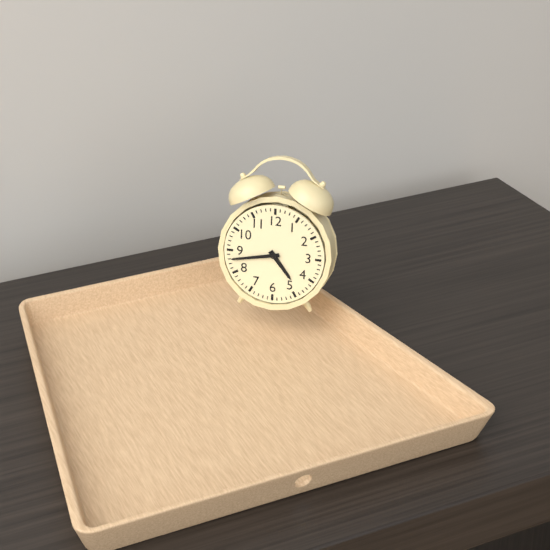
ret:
4:43
